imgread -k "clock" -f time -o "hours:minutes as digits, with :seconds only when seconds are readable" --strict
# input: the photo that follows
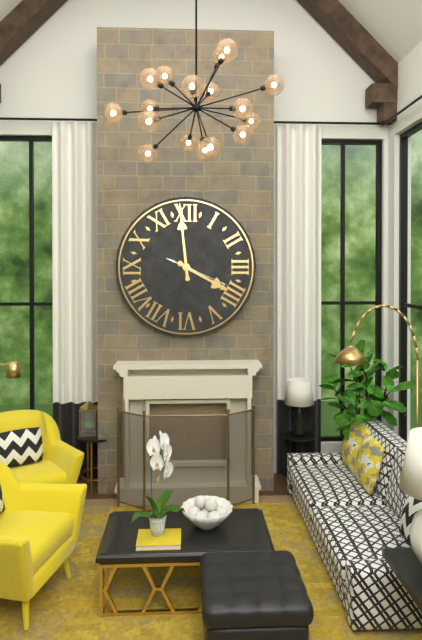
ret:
3:59:19
